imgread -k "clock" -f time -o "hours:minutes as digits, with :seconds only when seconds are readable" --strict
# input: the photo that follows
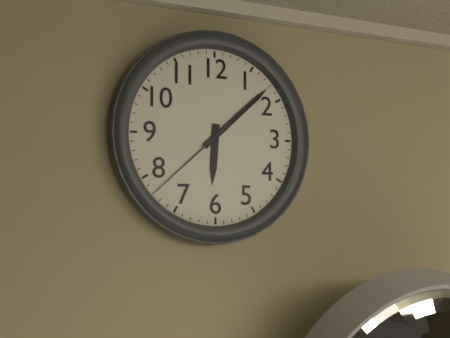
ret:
6:08:38
